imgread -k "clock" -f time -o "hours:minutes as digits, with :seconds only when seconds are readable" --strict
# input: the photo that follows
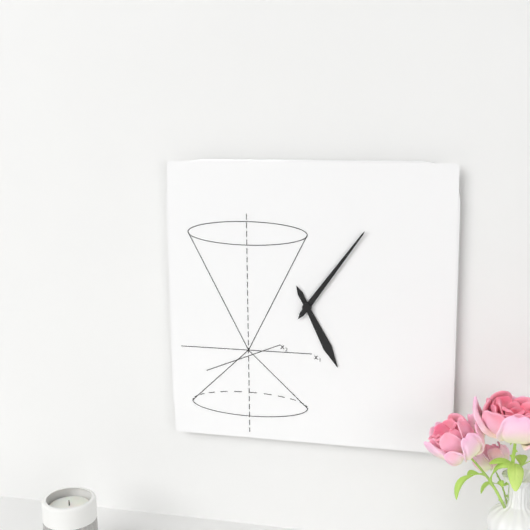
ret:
5:06
